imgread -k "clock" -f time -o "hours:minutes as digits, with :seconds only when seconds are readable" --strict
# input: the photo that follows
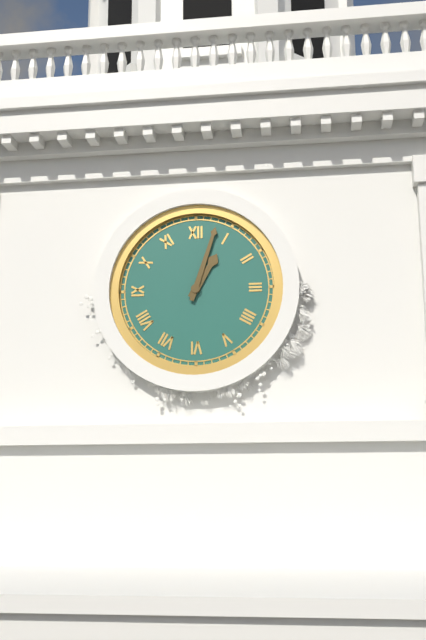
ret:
1:03
